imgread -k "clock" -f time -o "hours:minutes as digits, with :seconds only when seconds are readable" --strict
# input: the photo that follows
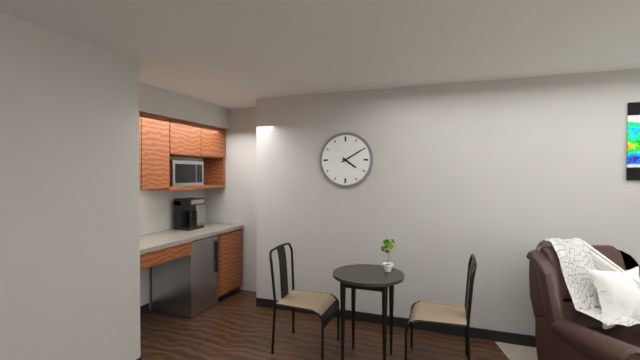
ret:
4:10
